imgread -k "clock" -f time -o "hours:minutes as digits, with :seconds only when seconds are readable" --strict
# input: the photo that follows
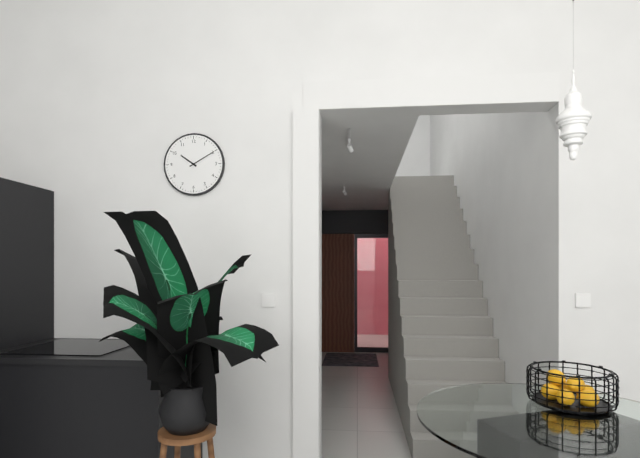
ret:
10:10
